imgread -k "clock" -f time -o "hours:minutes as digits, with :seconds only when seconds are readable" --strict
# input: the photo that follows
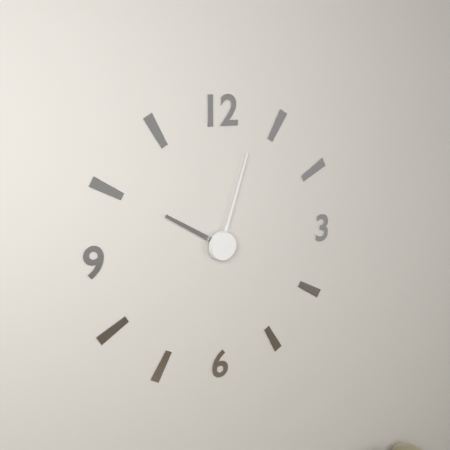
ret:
10:03
